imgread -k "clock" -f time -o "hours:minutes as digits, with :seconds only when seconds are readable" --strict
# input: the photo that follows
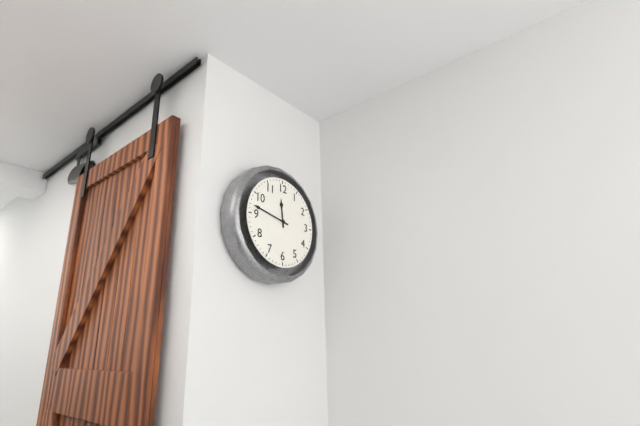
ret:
11:47
